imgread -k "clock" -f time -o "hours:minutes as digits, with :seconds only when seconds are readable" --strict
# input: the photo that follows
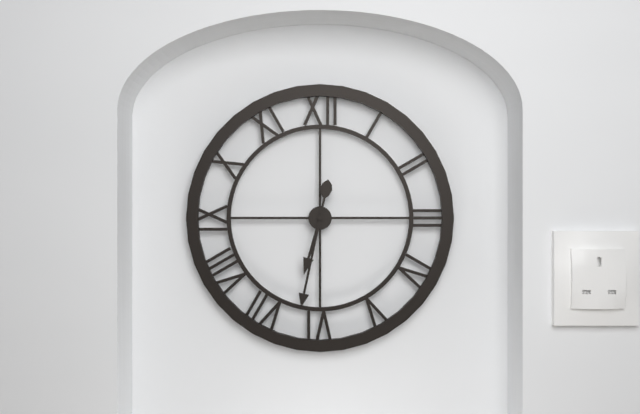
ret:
6:32
